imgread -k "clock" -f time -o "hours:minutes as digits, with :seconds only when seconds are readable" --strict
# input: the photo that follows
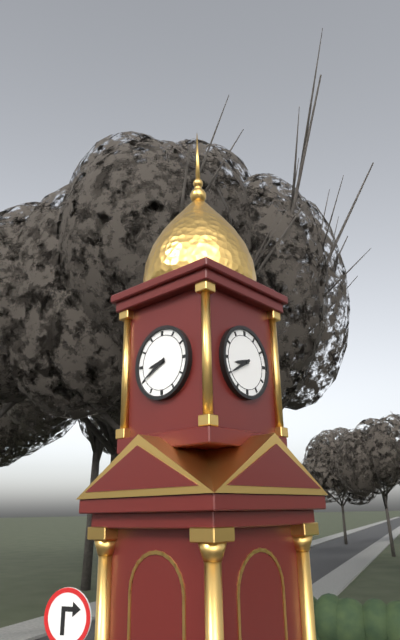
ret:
8:40
